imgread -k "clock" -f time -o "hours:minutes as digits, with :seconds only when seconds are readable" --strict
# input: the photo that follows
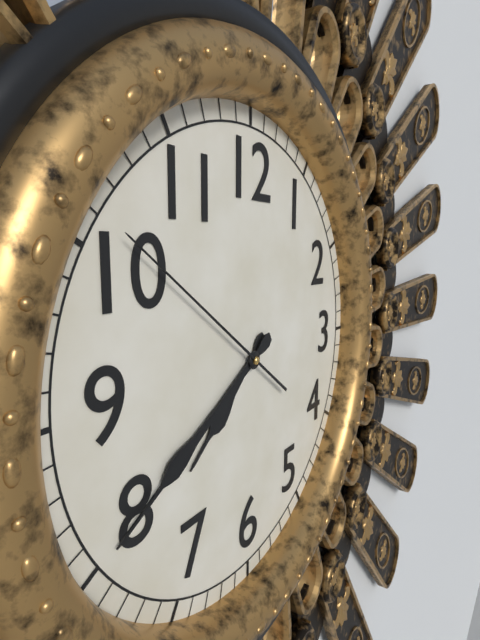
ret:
7:40:51
